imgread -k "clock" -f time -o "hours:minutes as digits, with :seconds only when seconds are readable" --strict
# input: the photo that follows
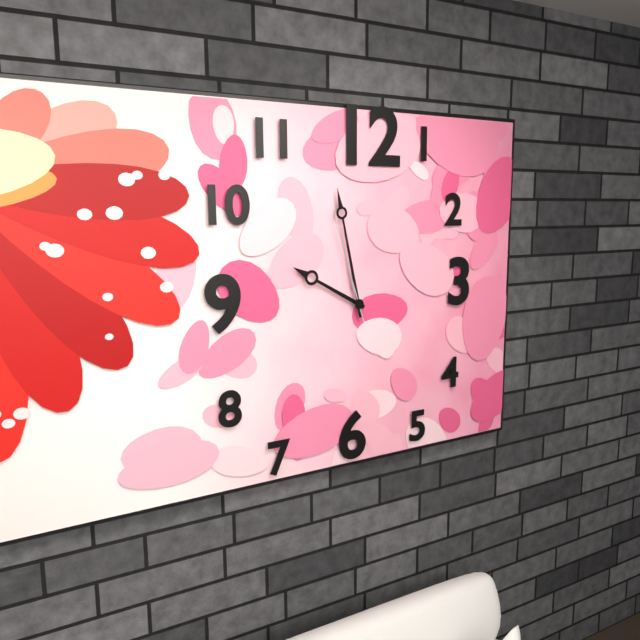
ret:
9:58:57
